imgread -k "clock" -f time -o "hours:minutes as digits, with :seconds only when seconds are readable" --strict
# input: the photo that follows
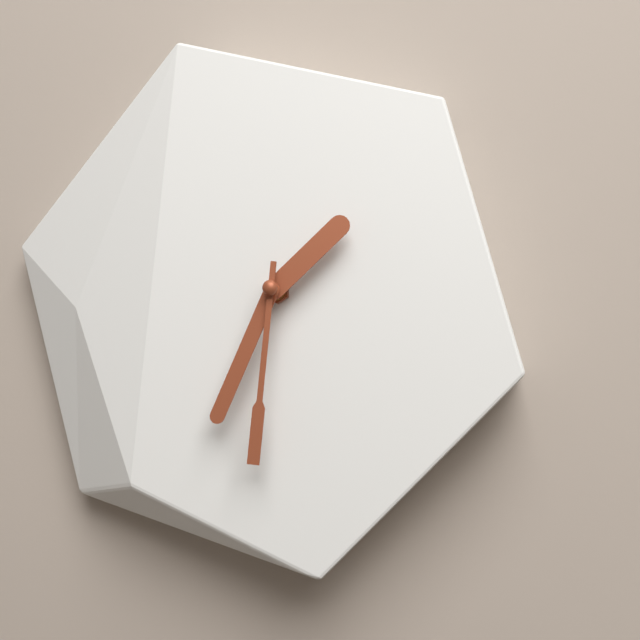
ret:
1:34:31
